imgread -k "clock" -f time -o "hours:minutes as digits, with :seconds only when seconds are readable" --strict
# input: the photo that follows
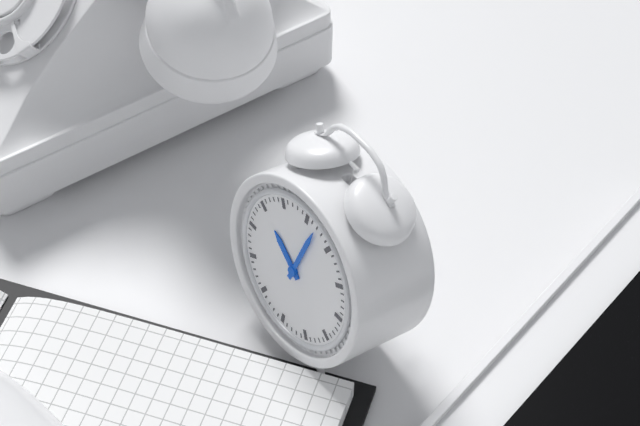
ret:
10:02
